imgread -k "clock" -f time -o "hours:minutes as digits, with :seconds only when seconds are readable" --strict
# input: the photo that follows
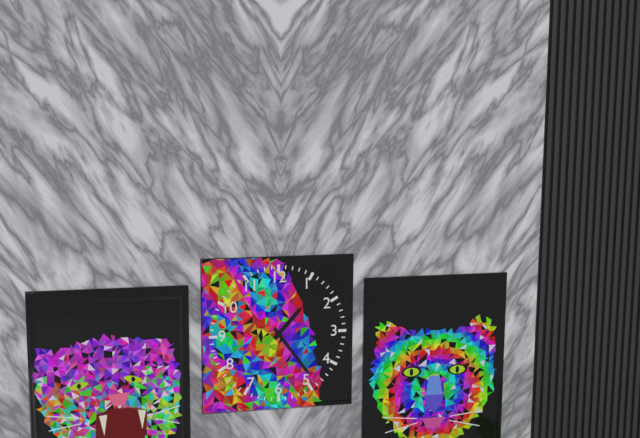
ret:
1:24
